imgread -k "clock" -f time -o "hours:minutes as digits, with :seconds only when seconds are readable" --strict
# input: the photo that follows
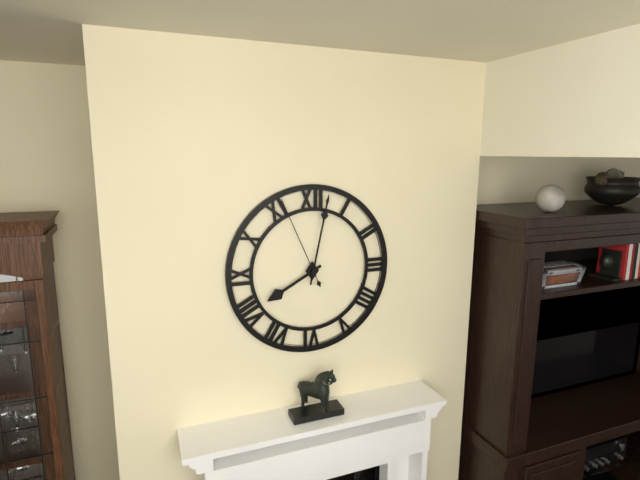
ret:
8:02:56
